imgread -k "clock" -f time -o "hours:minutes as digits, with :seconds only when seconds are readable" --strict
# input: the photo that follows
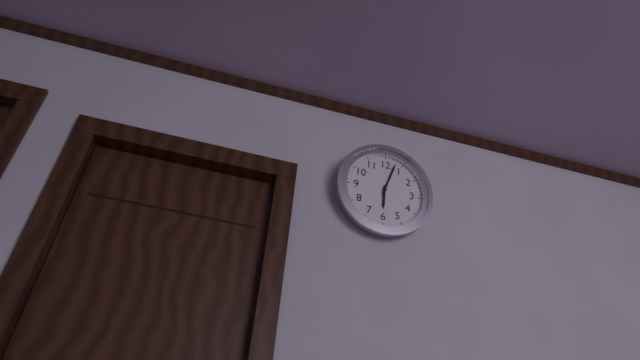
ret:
6:03
